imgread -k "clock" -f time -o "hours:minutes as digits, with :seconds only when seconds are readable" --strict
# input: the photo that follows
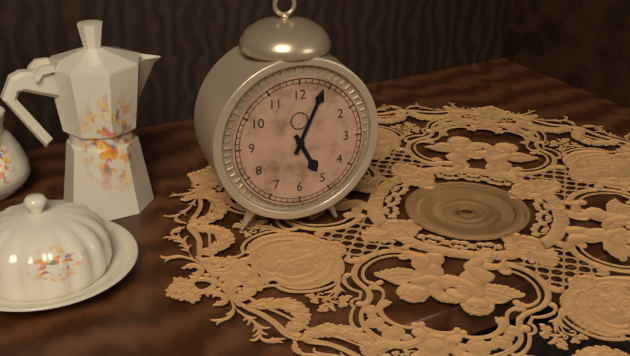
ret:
5:04
